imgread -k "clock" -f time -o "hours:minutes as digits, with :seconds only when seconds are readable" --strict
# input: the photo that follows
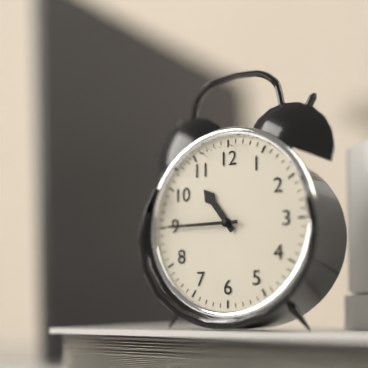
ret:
10:45
